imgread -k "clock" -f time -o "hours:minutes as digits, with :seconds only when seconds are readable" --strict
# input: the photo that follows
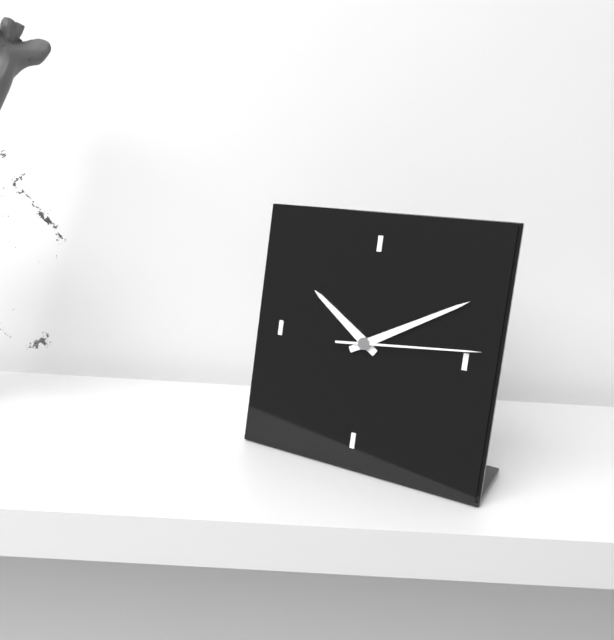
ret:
10:10:14
